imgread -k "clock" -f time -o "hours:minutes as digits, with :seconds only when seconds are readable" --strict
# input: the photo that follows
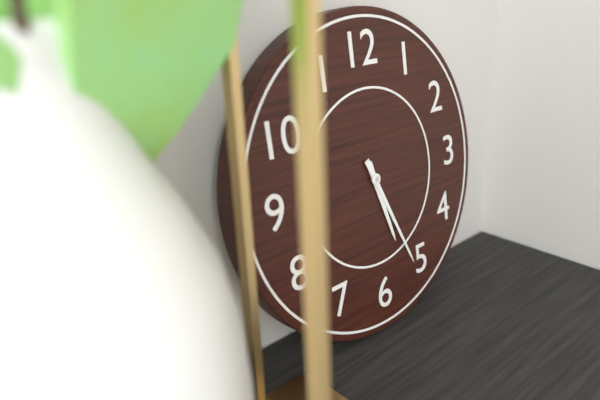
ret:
5:26
